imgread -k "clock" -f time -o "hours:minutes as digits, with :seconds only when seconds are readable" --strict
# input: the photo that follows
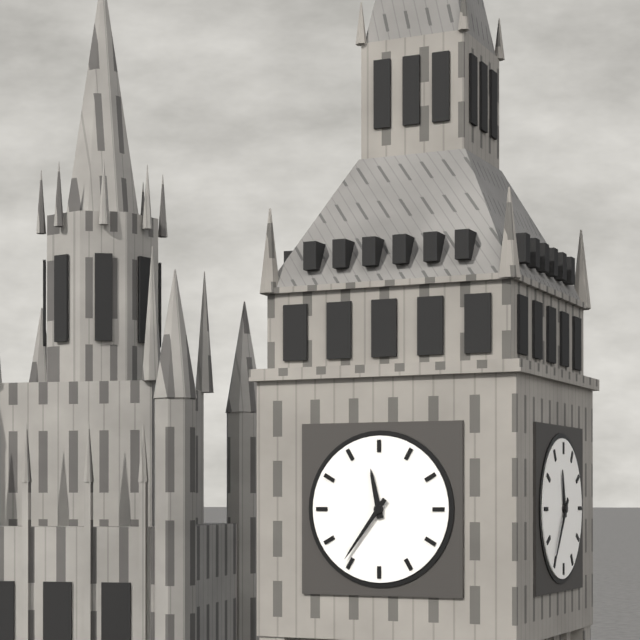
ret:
11:36
